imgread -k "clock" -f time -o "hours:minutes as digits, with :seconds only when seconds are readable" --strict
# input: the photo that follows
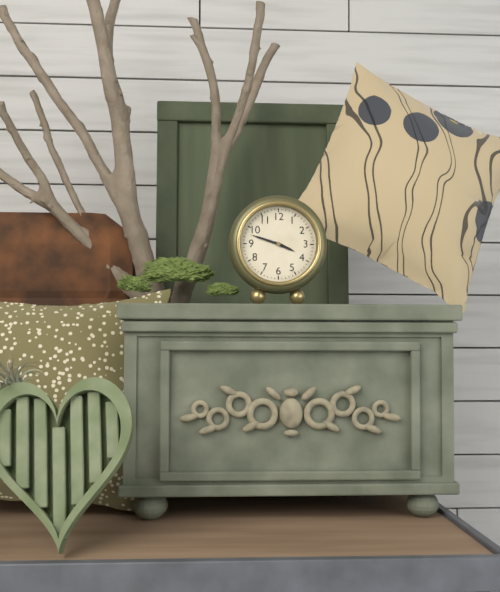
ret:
3:48
